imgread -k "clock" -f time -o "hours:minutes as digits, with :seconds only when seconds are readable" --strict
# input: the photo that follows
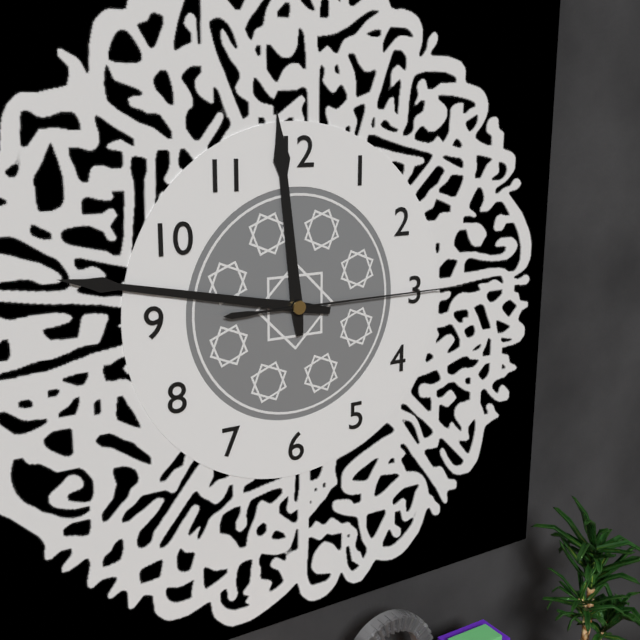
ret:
11:47:15
